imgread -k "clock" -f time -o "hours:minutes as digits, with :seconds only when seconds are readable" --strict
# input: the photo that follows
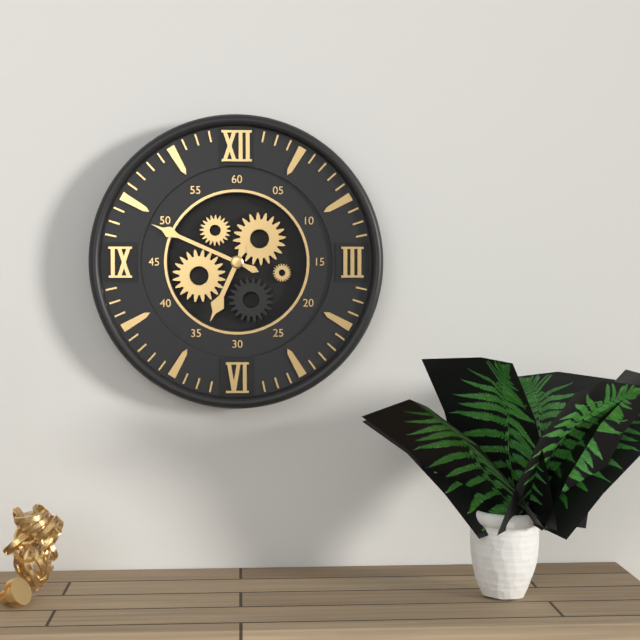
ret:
6:49
